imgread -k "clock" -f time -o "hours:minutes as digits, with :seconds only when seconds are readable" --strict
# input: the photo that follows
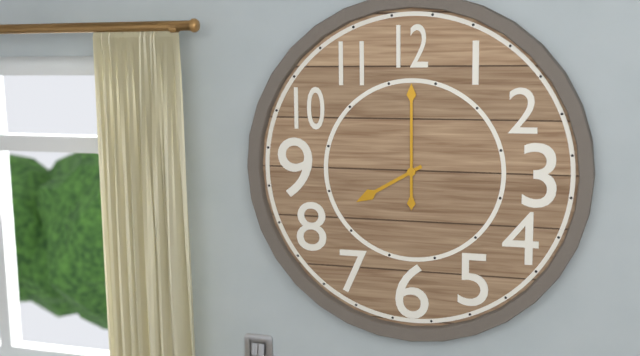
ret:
8:00
